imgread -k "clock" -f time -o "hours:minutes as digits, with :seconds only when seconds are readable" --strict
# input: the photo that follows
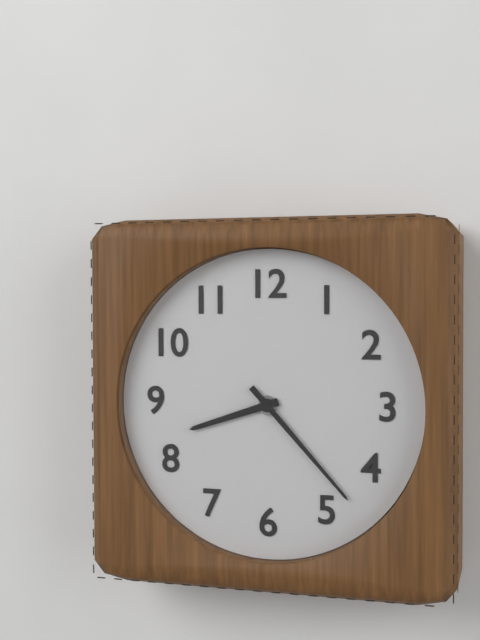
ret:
8:23
